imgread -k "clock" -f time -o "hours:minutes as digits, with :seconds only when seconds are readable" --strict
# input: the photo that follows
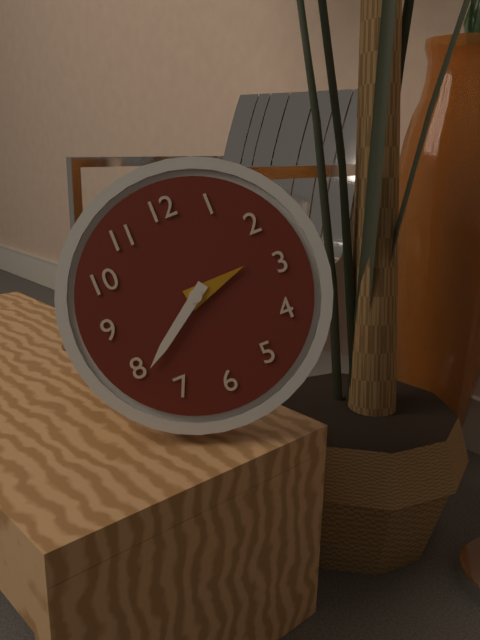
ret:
2:39
